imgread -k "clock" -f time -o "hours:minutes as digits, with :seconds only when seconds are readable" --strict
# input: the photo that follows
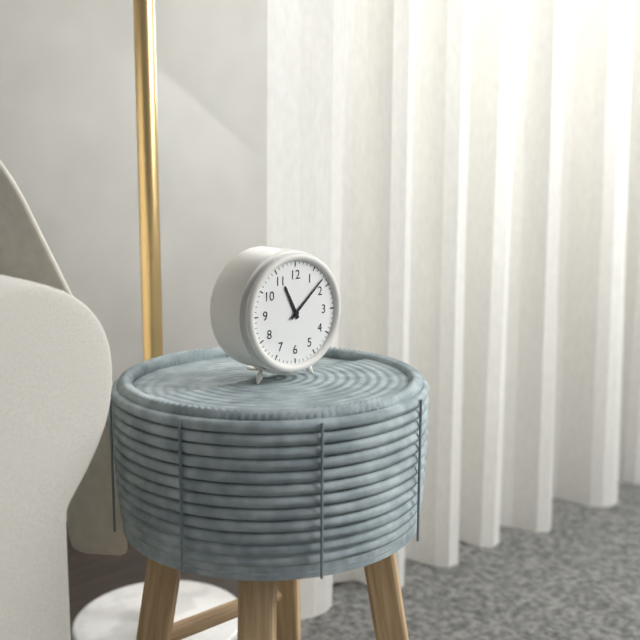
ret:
11:08
